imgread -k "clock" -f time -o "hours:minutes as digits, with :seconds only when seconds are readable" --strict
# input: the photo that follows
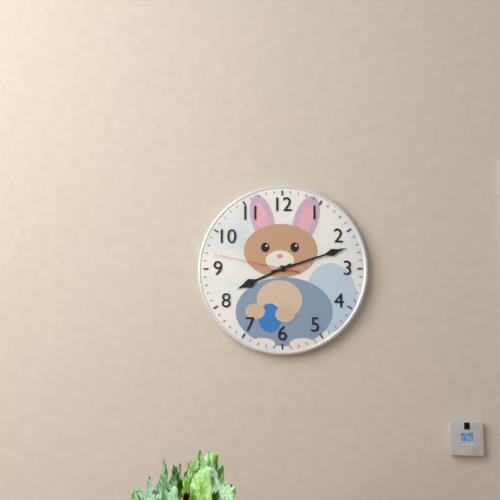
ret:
8:12:47
